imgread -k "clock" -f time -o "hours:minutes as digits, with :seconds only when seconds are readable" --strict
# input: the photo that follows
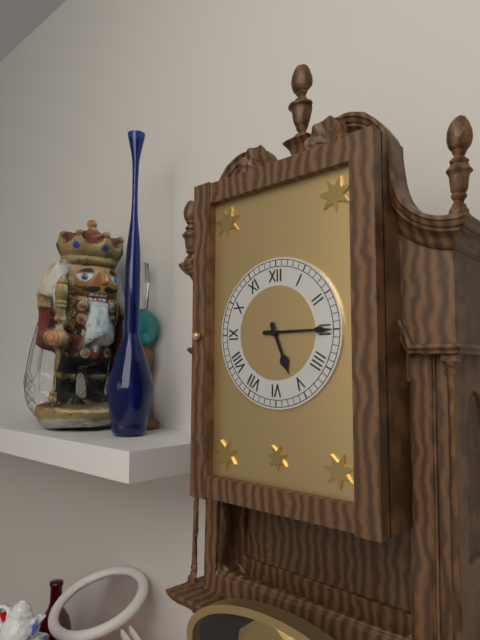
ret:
5:15
